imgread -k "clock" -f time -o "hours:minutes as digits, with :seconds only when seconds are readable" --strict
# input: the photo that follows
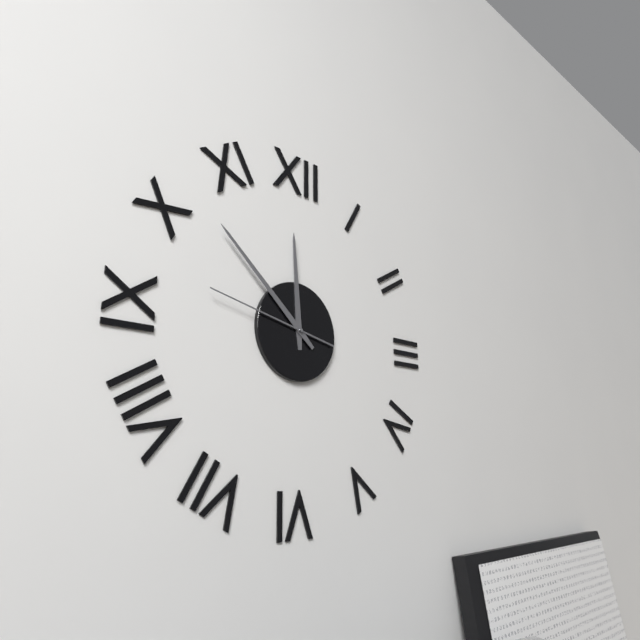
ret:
11:52:47
